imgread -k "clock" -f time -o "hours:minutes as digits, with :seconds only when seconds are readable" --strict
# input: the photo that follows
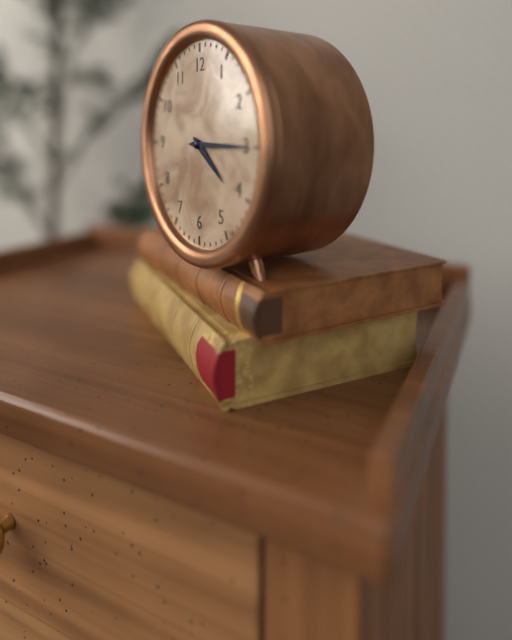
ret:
4:15
